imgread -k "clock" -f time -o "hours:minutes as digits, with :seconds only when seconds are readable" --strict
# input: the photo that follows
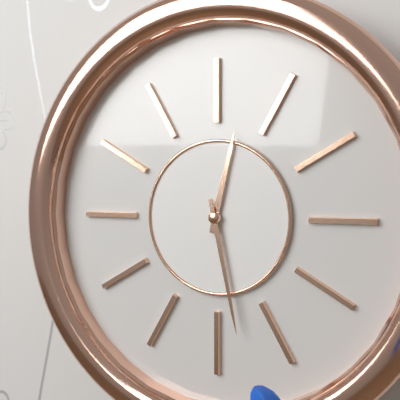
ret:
12:28
